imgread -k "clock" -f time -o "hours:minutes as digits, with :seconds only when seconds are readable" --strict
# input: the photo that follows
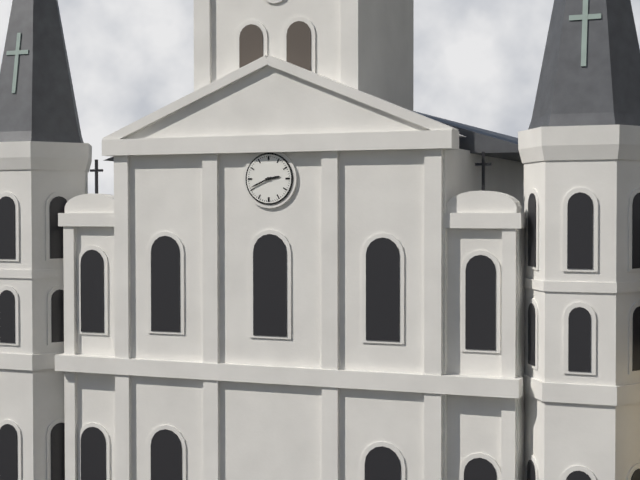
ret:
2:41
